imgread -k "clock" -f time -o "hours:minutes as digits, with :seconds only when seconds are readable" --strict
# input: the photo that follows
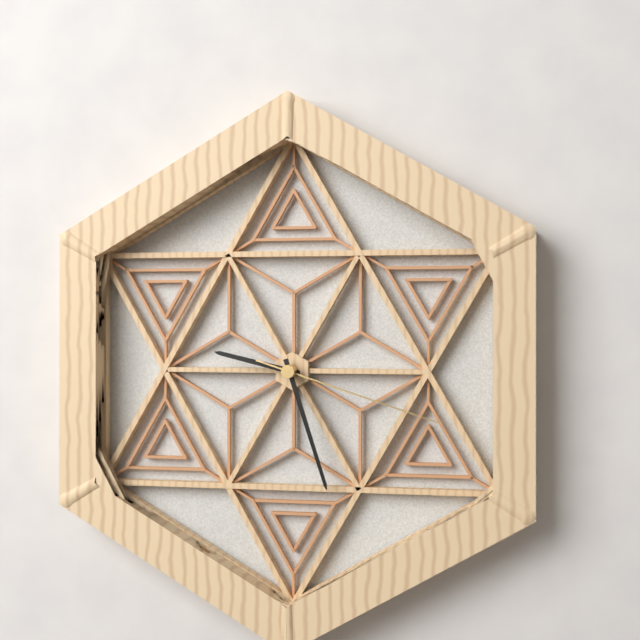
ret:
9:27:18
